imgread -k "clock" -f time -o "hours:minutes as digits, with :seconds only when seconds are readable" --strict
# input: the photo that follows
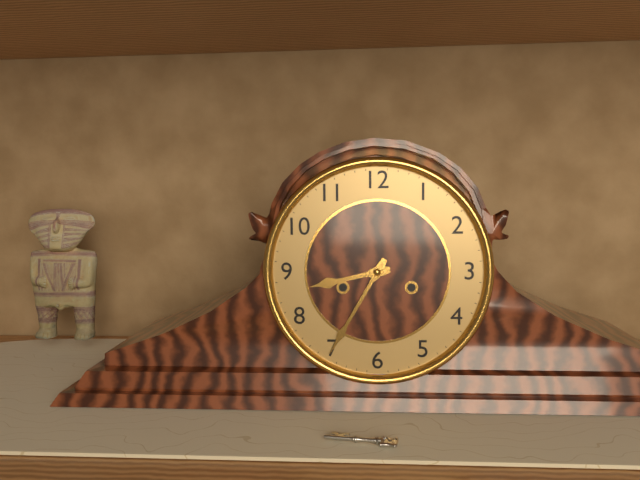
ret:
8:35
